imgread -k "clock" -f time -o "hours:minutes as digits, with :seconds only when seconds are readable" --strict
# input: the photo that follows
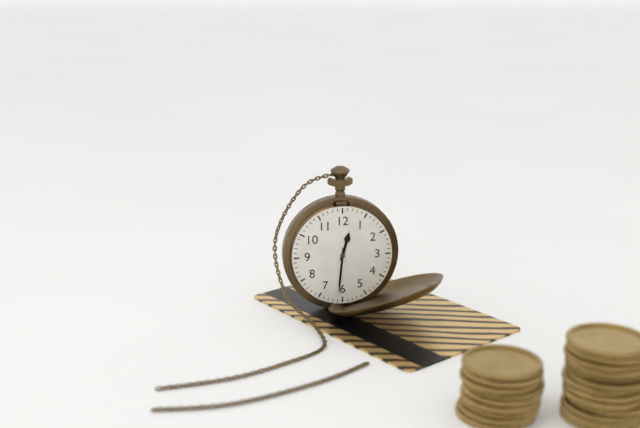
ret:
12:31
